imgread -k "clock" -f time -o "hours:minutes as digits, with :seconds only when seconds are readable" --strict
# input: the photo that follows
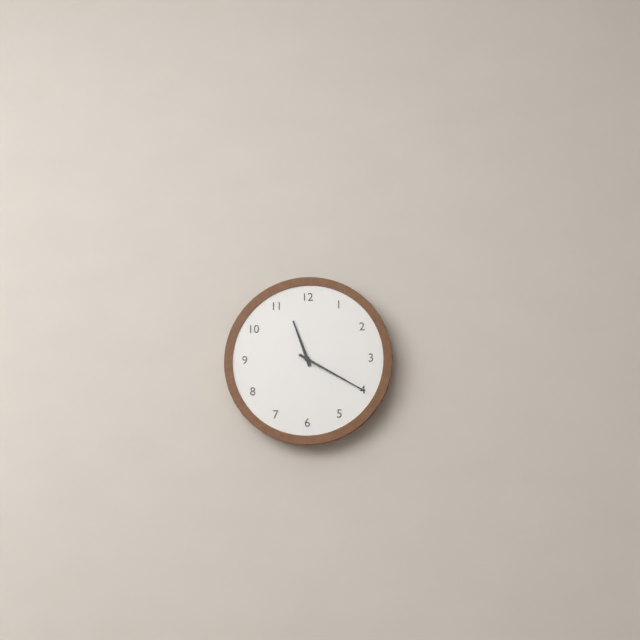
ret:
11:20
